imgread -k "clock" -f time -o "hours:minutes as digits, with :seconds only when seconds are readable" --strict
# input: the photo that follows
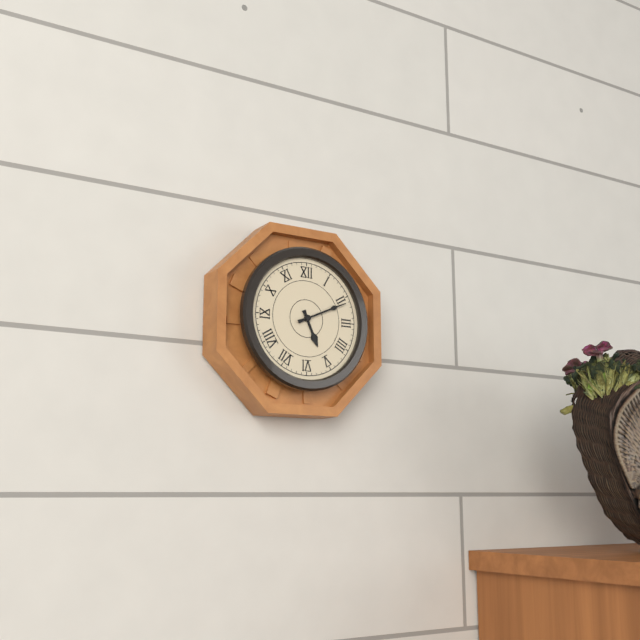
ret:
5:11
